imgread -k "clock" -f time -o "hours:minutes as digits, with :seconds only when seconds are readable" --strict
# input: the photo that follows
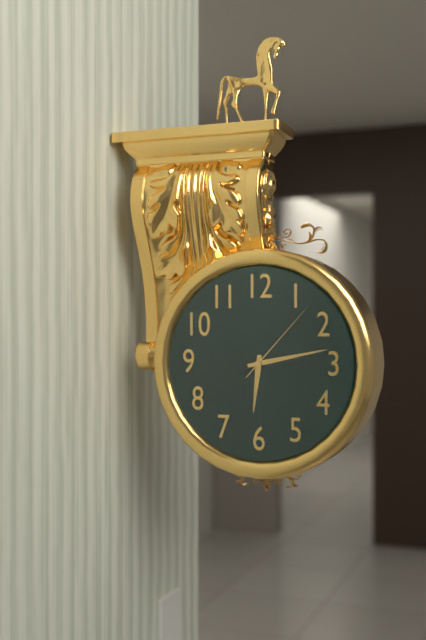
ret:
6:13:07
